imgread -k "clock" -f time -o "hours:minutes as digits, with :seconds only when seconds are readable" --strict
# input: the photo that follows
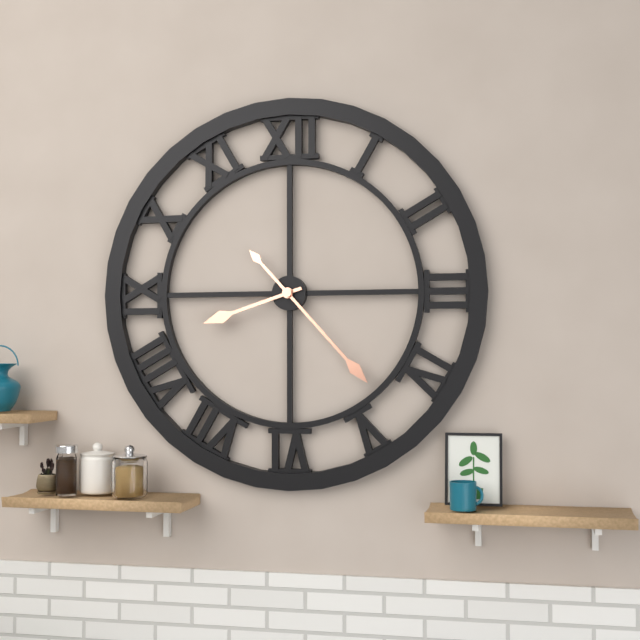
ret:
8:23
